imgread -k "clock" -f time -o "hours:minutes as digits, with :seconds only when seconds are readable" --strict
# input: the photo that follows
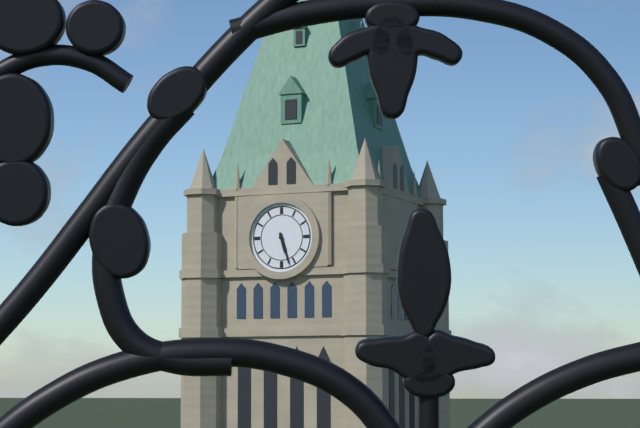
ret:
5:27
